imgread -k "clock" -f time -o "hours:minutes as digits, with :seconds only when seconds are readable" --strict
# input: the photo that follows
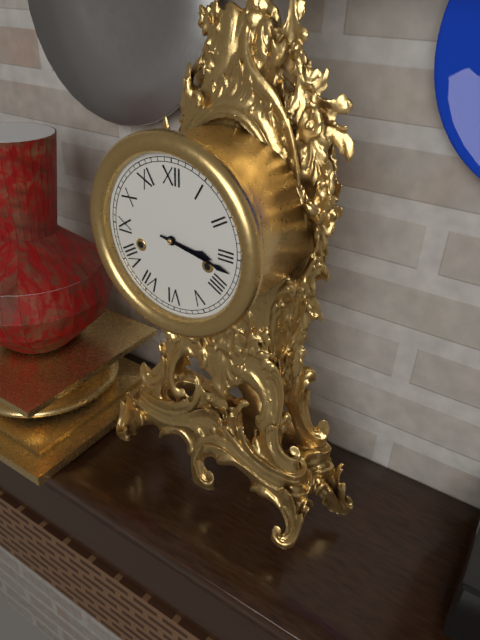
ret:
3:17
